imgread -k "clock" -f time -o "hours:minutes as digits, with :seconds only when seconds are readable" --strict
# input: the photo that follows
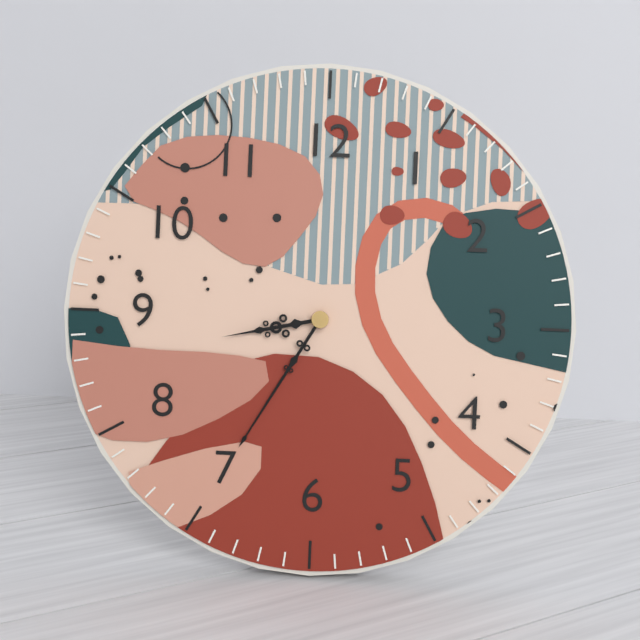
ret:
8:35
